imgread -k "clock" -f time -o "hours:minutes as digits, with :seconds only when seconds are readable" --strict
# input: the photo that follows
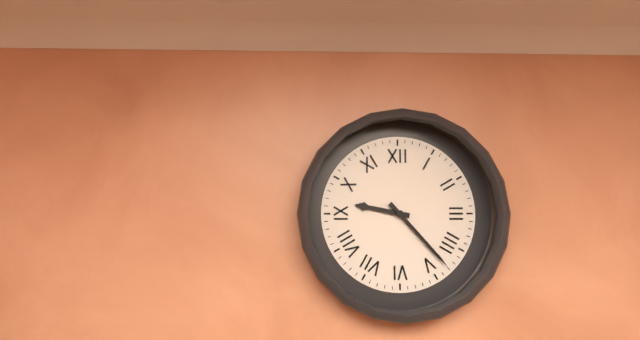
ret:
9:23
